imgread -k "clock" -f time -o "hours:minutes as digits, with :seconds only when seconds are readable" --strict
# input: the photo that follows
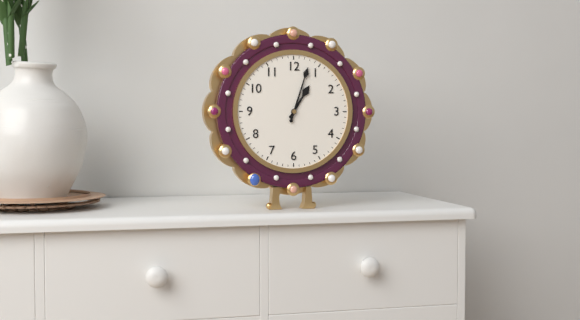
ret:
1:03
